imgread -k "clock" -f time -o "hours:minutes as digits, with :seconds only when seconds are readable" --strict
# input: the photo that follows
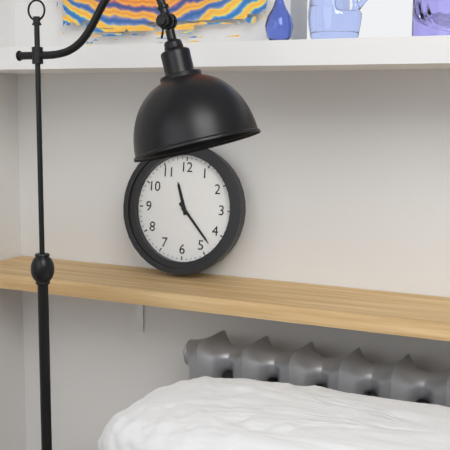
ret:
11:23
